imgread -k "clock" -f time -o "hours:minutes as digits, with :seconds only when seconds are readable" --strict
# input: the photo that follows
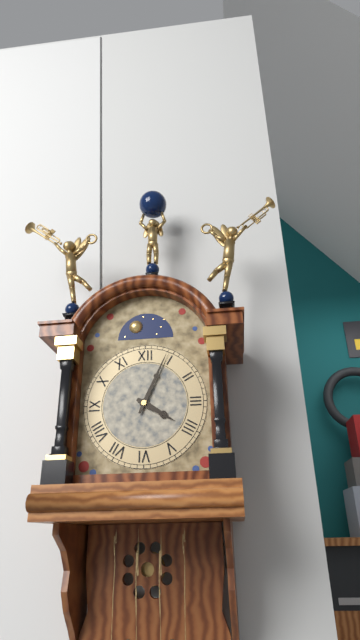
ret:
4:04
